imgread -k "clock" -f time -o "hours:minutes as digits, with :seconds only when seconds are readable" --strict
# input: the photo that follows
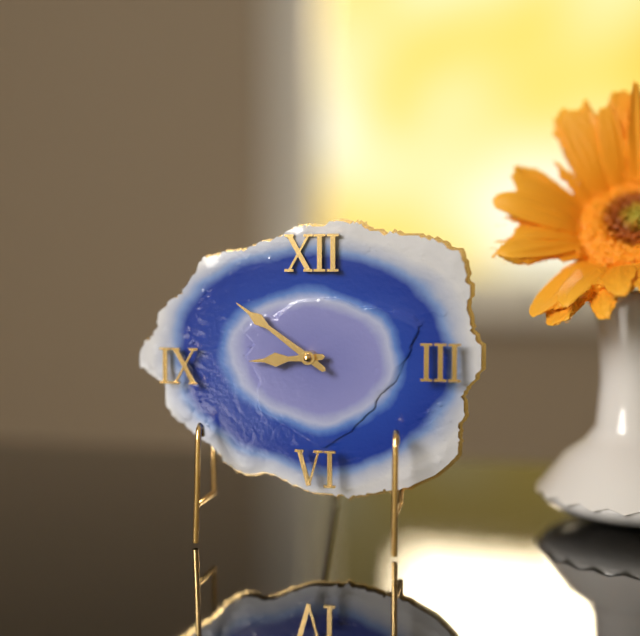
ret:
8:51
